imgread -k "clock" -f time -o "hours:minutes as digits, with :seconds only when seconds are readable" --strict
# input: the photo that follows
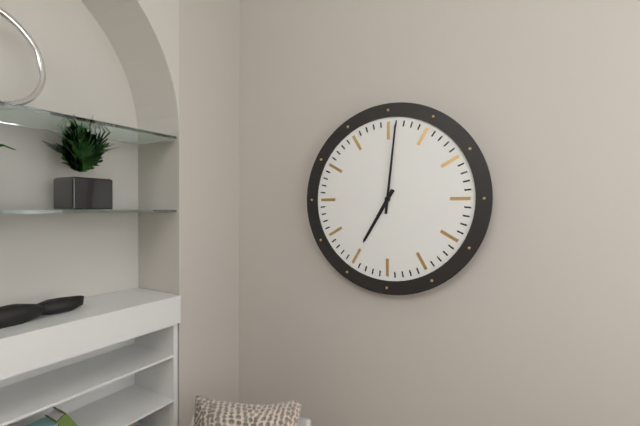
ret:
7:01
